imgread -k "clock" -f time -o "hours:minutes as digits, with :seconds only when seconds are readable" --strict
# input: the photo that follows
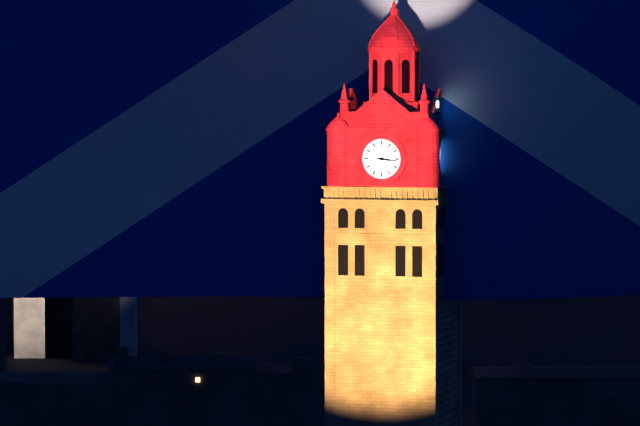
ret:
3:16
